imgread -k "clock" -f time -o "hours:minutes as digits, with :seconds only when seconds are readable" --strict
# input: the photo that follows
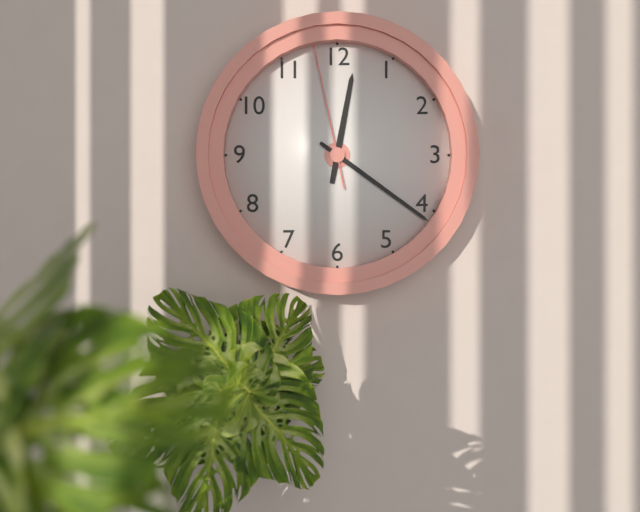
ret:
12:21:58
